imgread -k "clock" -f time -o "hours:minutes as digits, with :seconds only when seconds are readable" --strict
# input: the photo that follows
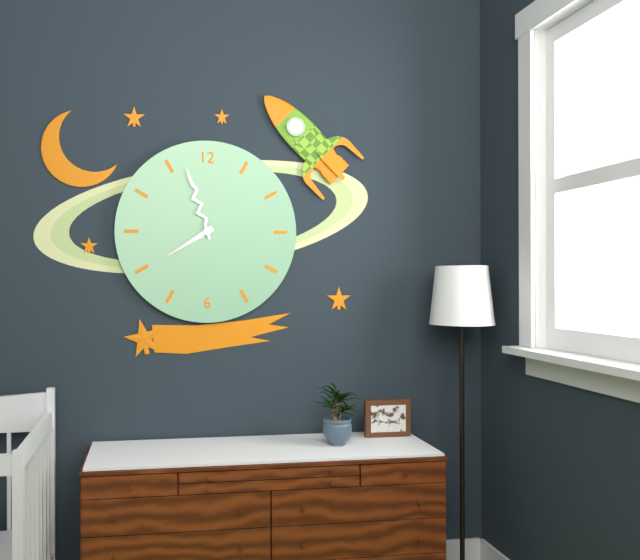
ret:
7:57
